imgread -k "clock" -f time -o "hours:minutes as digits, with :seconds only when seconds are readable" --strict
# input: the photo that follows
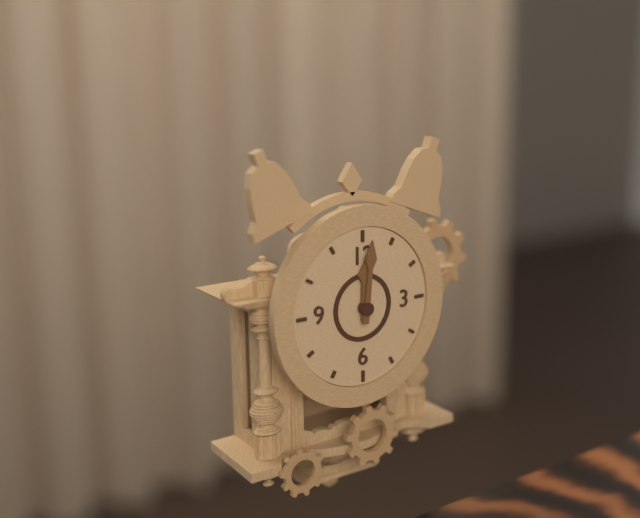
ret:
12:01
